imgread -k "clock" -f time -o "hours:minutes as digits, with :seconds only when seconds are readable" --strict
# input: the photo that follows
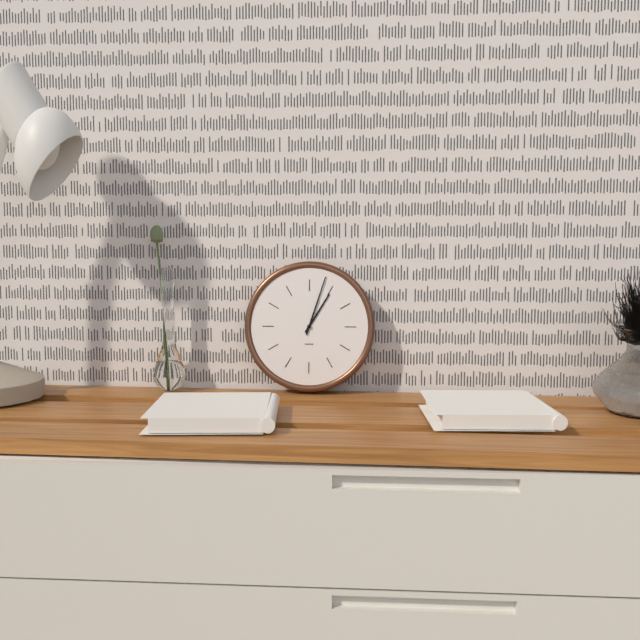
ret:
1:03
